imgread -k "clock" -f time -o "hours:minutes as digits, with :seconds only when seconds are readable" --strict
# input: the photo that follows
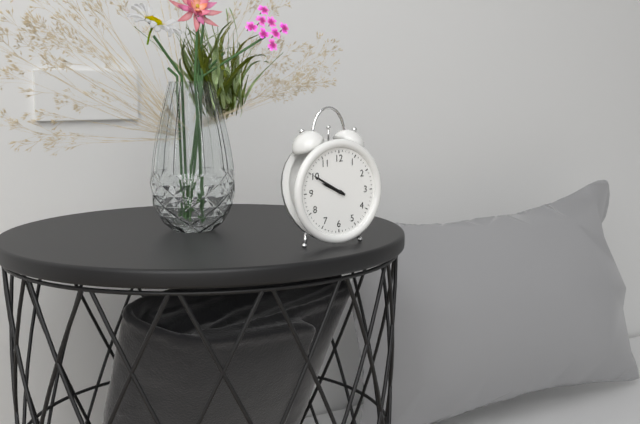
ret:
9:50
